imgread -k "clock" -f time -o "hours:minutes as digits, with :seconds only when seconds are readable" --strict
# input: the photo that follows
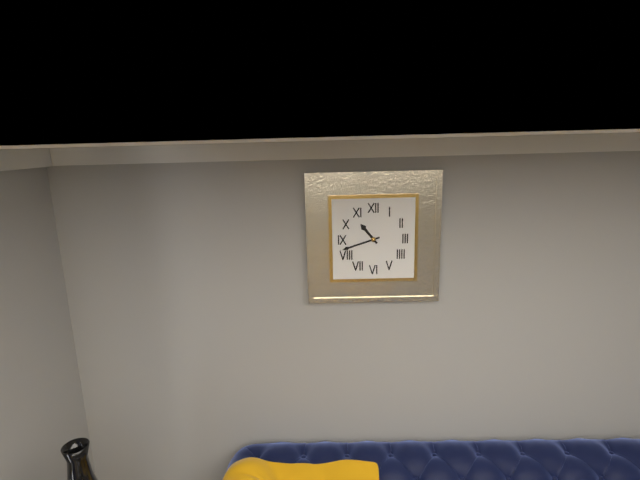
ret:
10:42
